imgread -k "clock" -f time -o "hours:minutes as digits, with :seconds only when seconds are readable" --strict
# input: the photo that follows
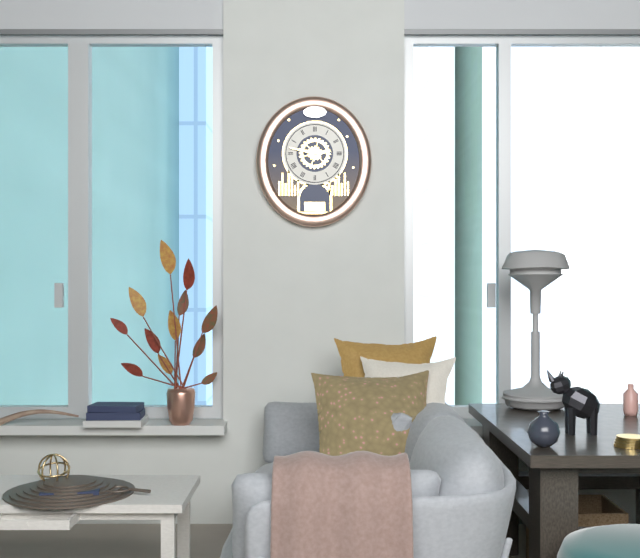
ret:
2:47
